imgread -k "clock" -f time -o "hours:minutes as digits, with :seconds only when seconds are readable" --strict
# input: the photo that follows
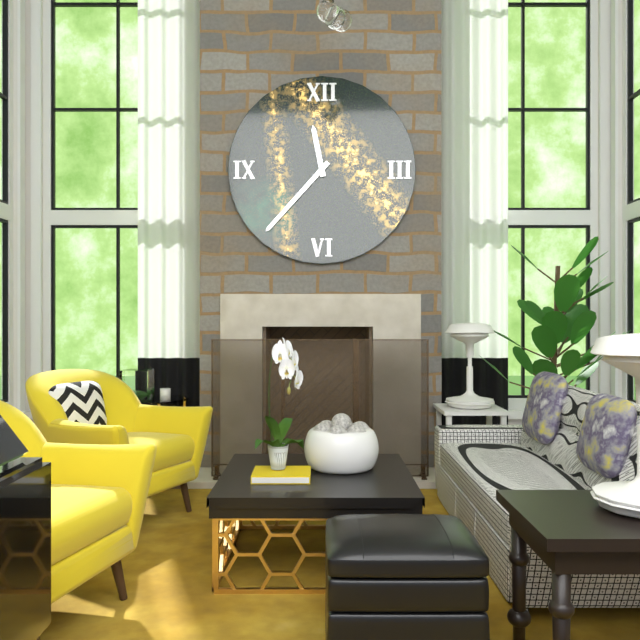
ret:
11:37
